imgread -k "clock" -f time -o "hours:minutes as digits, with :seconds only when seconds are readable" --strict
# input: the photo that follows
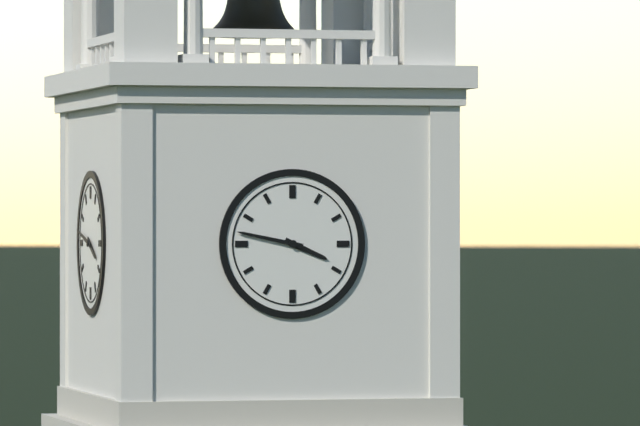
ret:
3:47
